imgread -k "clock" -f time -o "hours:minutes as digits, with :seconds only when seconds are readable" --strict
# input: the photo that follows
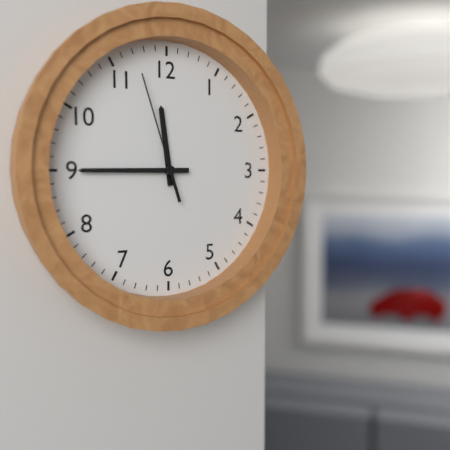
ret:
11:45:57
